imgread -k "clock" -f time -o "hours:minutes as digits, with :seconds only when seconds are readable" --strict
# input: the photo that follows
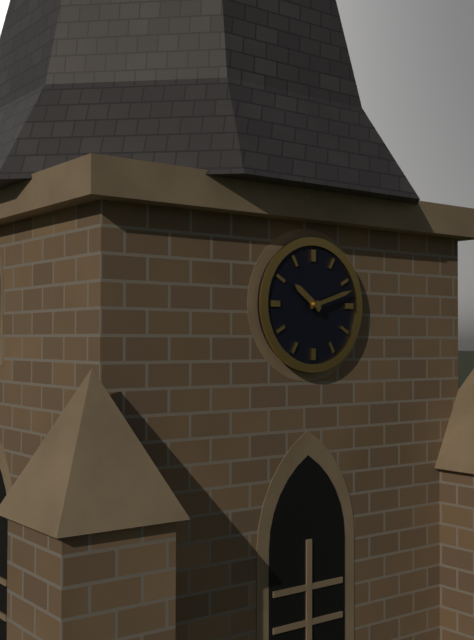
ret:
10:12
